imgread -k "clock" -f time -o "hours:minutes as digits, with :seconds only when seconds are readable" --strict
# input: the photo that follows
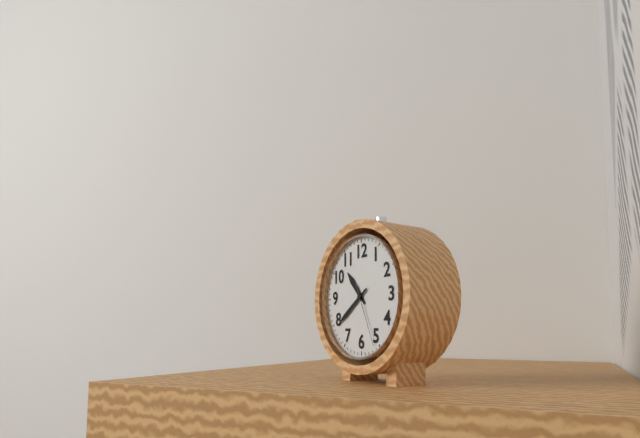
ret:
10:39:26
